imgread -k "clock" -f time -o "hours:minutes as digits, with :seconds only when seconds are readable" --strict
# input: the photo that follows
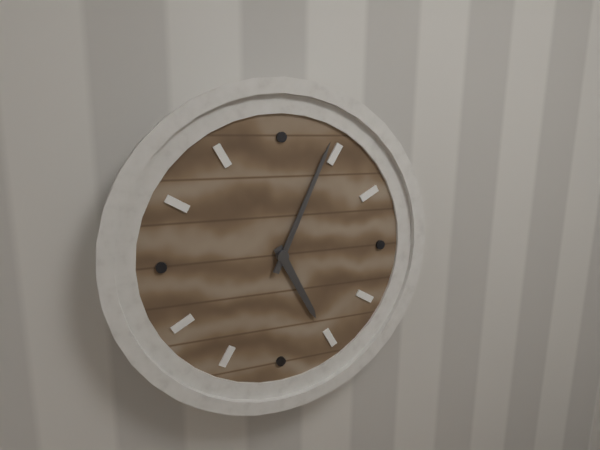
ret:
5:04
